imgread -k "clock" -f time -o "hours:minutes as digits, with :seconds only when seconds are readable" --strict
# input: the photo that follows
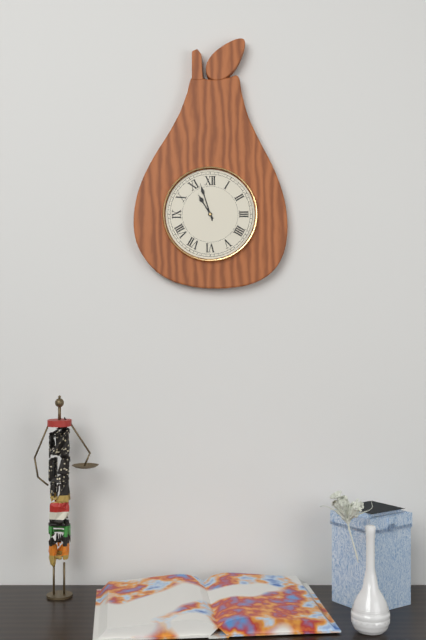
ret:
10:57
